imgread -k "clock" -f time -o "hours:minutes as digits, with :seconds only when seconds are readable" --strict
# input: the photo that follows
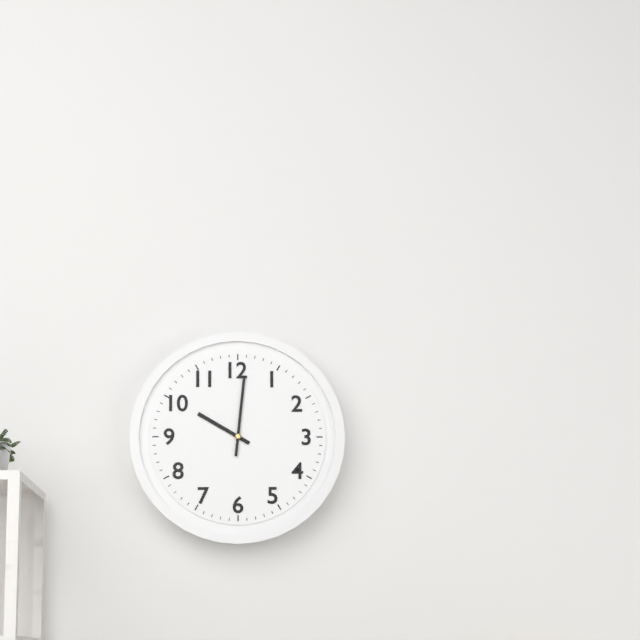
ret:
10:01
